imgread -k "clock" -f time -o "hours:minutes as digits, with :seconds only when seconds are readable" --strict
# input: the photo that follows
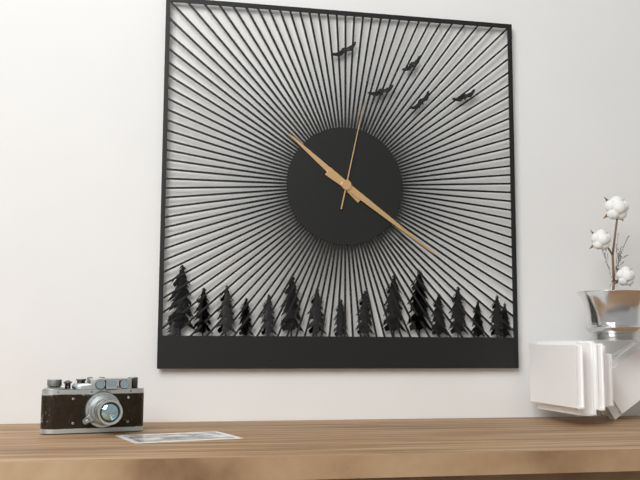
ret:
10:21:02
